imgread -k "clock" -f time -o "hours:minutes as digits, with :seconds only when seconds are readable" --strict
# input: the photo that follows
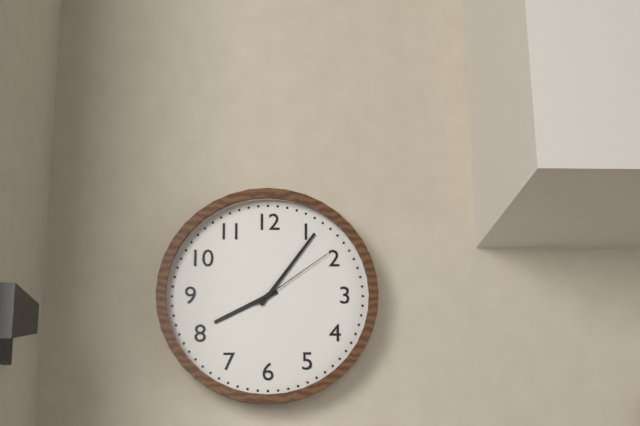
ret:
8:06:09
